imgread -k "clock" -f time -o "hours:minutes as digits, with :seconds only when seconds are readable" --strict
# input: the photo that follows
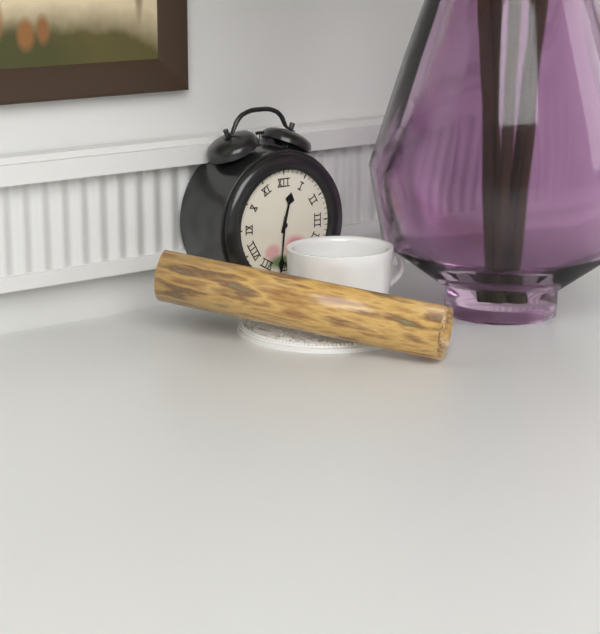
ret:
12:31
